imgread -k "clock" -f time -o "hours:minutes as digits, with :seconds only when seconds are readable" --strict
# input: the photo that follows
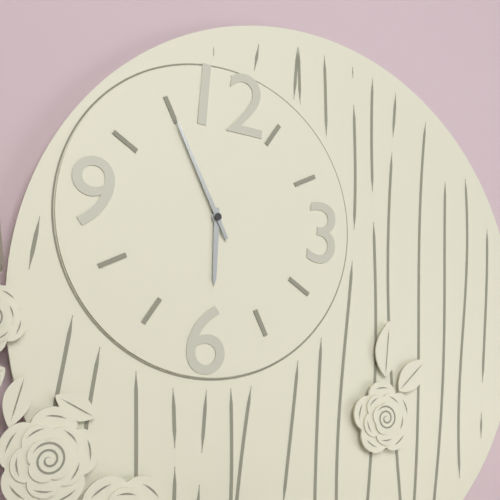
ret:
5:55
